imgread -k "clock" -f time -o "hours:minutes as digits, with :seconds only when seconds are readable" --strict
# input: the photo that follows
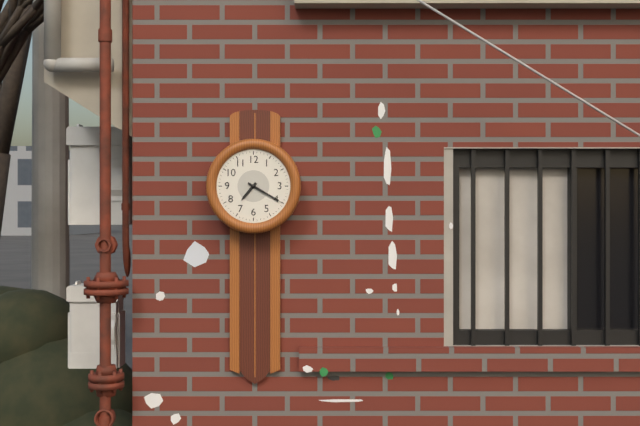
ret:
7:20
